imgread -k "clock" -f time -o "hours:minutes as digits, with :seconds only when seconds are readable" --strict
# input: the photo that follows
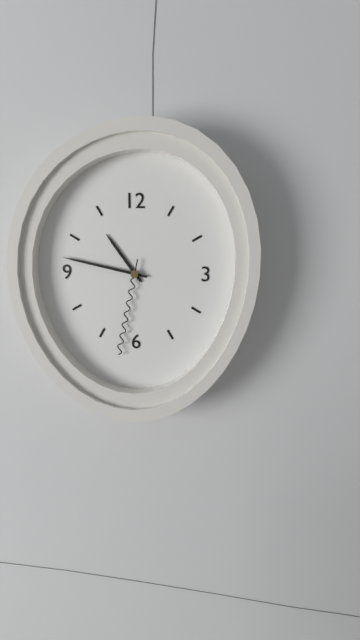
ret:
10:47:32
